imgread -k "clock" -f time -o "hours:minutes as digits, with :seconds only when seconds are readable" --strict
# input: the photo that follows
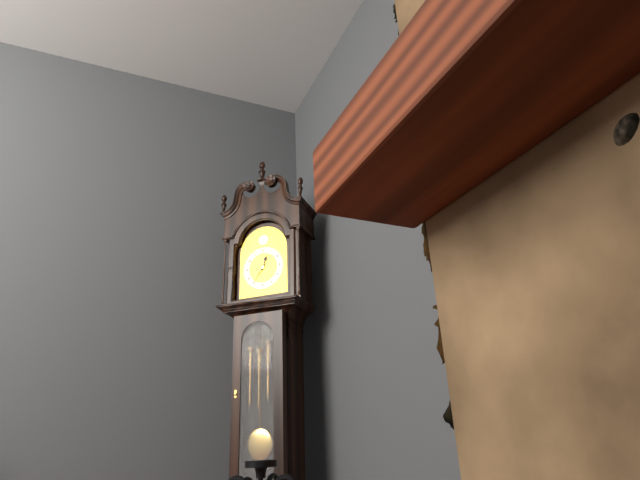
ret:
12:36
